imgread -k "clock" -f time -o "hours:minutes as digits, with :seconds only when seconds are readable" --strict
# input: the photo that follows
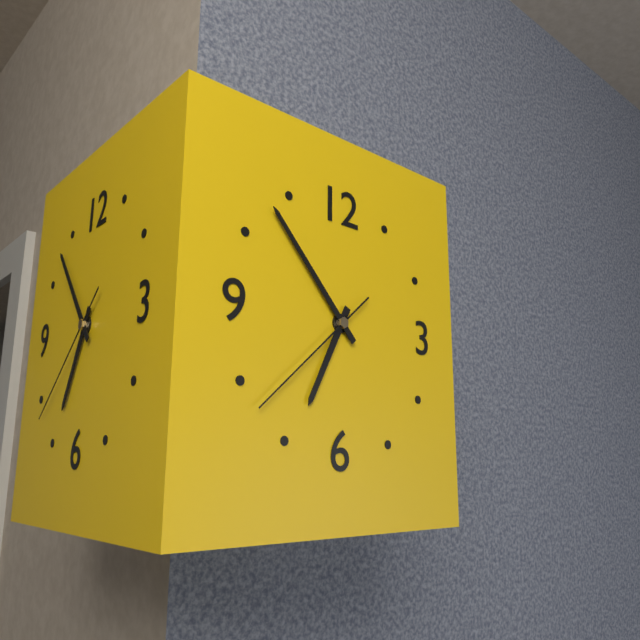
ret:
6:53:38
